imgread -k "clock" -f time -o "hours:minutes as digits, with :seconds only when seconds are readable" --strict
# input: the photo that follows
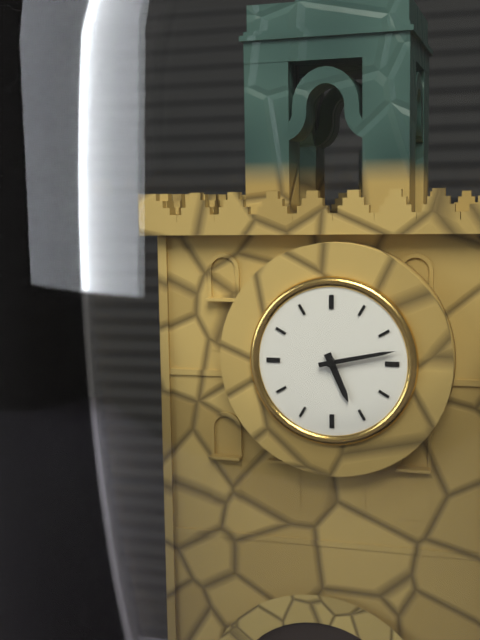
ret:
5:13
